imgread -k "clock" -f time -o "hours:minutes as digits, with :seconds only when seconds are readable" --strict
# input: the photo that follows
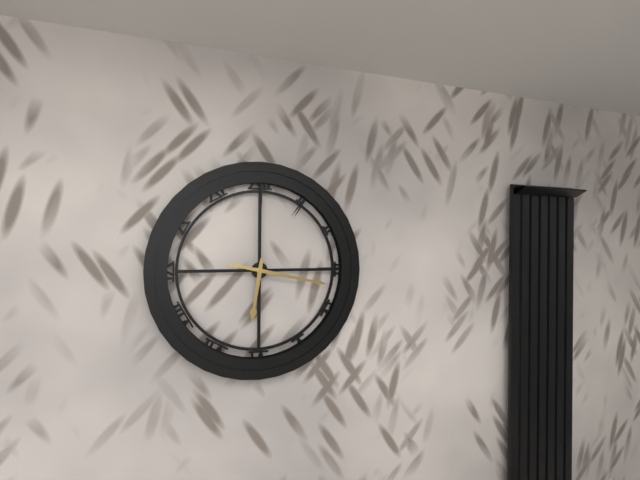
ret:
6:17
